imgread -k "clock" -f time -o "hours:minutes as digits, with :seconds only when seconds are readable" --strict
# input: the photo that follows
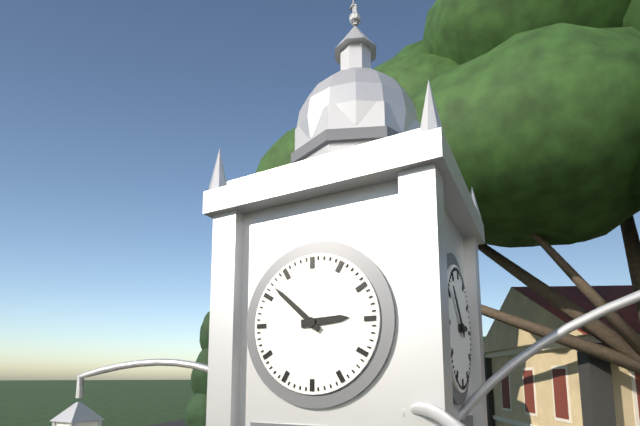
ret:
2:52
